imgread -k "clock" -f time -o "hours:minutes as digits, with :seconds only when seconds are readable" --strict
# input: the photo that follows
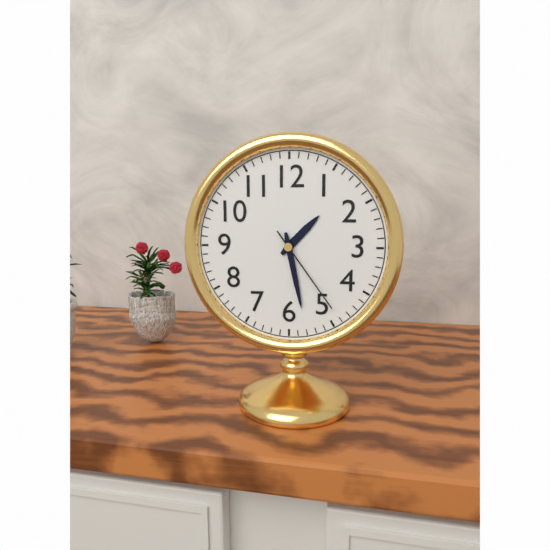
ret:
1:28:24
